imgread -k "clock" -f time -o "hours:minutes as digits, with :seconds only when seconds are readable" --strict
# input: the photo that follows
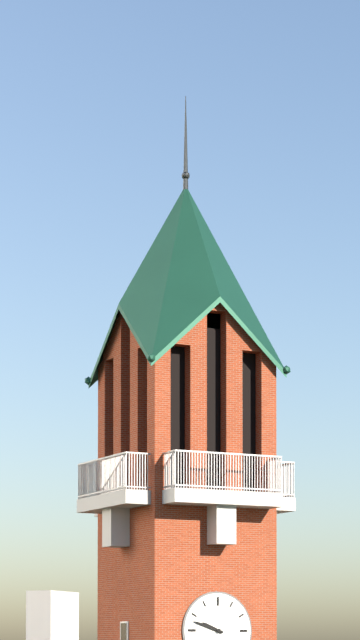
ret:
9:48
